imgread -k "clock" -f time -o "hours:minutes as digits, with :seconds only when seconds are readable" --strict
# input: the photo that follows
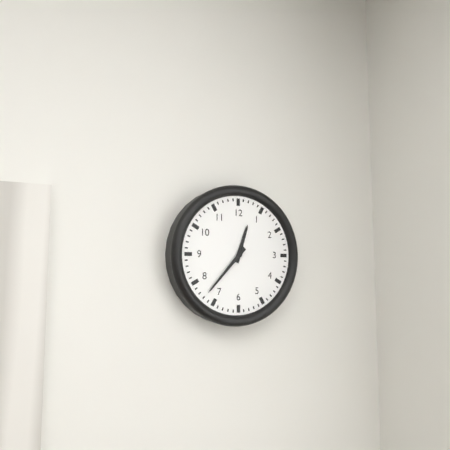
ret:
12:37
